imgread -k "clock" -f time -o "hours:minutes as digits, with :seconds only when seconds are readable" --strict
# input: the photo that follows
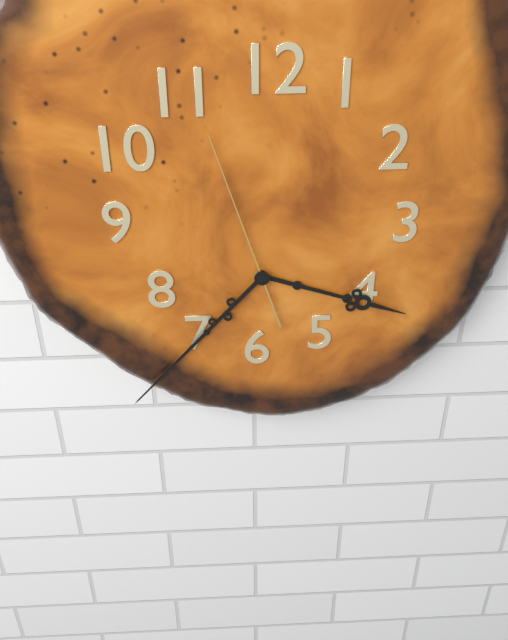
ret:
3:37:57
